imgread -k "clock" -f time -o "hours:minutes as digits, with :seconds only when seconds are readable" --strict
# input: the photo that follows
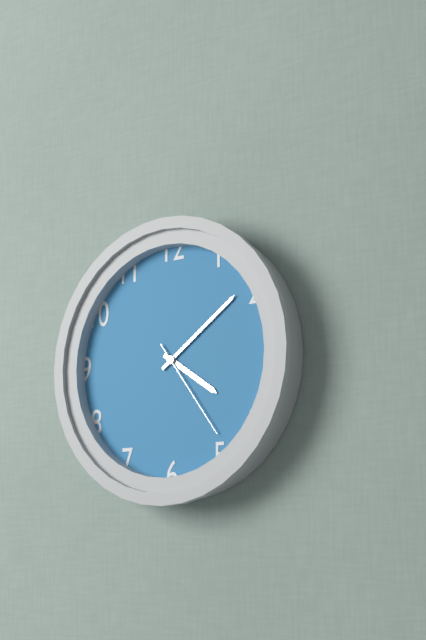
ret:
4:09:24
